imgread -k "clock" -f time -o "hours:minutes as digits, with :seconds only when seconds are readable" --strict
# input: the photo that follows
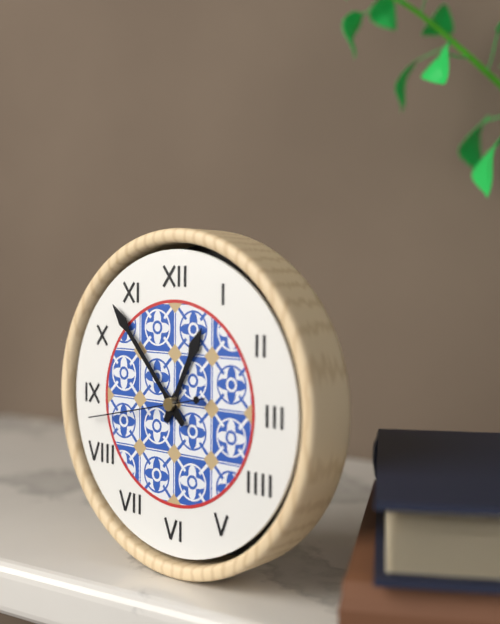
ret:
12:53:43
